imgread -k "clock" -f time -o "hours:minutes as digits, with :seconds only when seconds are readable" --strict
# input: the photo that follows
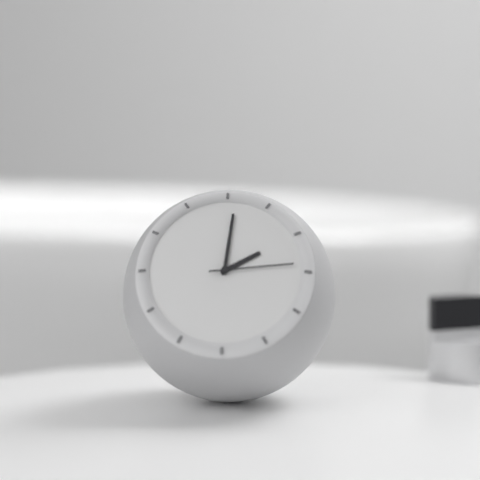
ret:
2:01:14
